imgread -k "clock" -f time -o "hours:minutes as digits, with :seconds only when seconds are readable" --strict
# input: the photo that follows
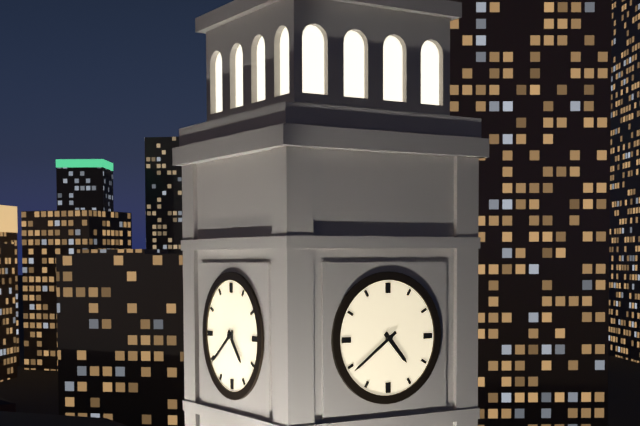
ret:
4:39
